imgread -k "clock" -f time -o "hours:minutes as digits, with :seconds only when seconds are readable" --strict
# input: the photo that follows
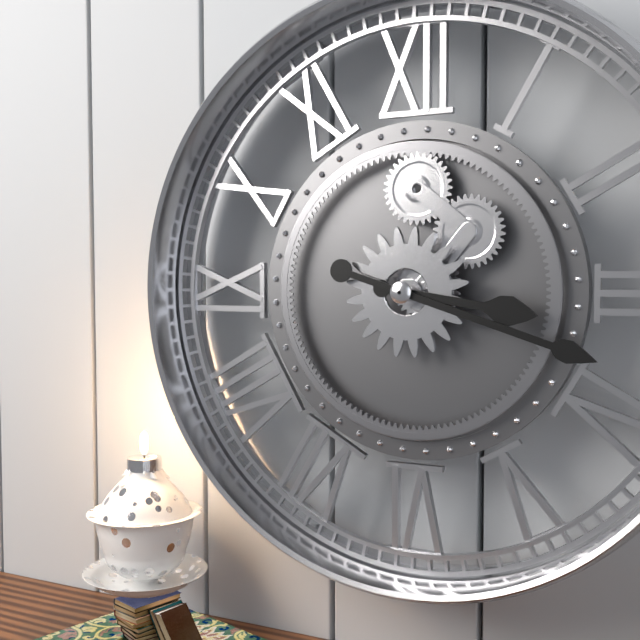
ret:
3:18
